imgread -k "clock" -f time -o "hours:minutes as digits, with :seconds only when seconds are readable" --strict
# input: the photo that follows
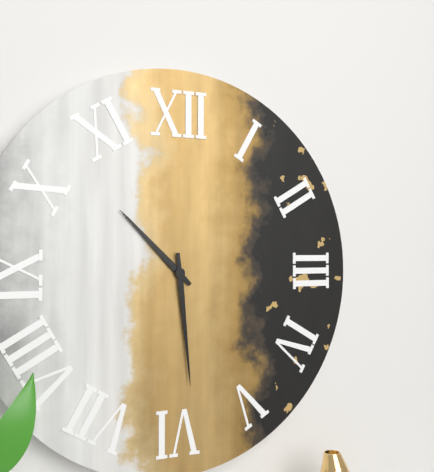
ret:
10:29
